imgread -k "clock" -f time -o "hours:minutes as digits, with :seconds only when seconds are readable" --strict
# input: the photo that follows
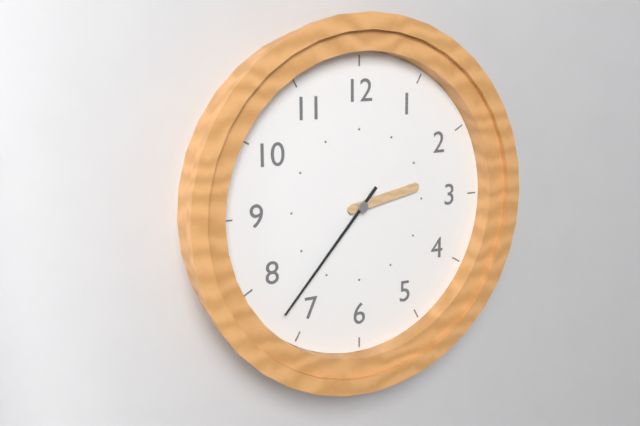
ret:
2:37
